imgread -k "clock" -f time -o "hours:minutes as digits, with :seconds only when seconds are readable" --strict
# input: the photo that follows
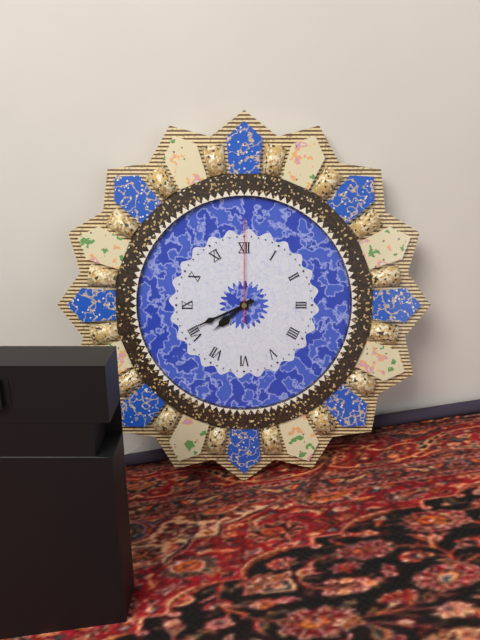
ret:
7:41:00
